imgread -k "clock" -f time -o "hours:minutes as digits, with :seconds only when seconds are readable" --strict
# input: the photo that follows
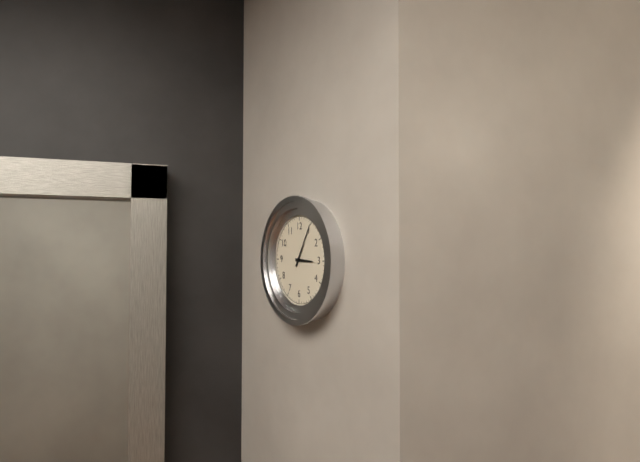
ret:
3:05
